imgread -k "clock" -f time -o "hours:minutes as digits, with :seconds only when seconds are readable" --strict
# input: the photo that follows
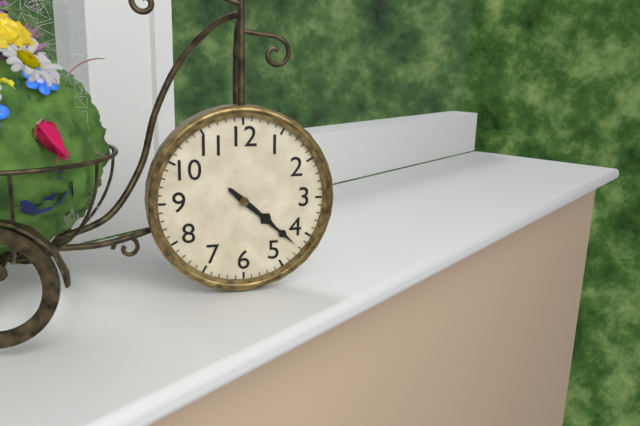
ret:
4:22
